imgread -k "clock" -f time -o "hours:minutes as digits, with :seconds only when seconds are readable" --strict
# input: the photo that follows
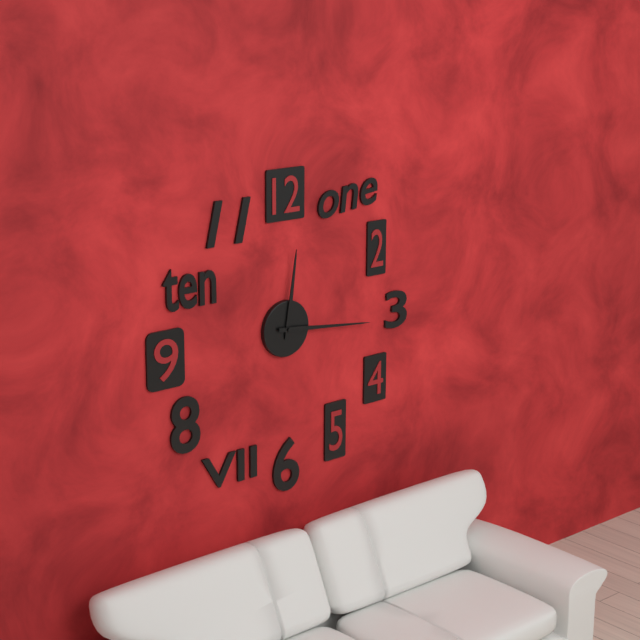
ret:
12:16
